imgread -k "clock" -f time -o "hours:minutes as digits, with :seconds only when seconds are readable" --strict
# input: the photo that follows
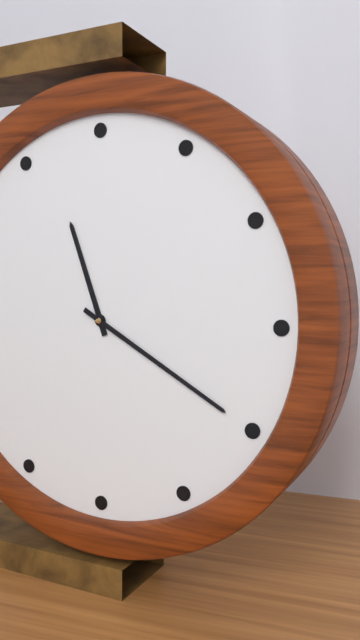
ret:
11:20
